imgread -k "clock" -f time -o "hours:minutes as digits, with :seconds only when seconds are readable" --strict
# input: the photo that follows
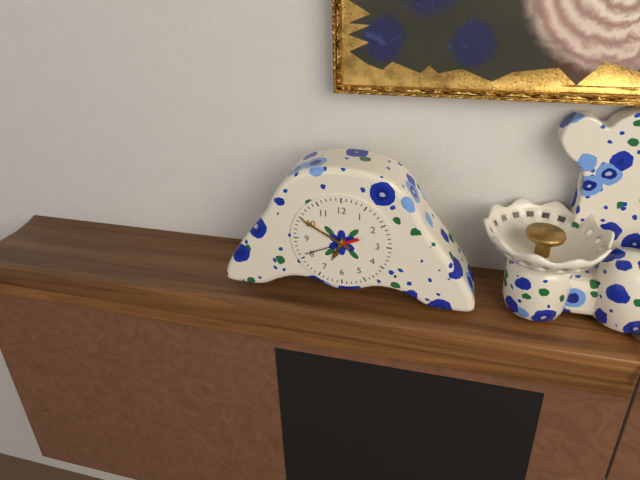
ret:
6:50:41
